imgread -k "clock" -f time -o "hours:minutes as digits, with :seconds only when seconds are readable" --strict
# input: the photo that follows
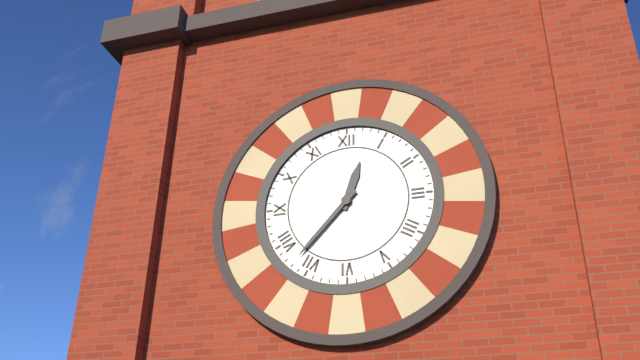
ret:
12:37
